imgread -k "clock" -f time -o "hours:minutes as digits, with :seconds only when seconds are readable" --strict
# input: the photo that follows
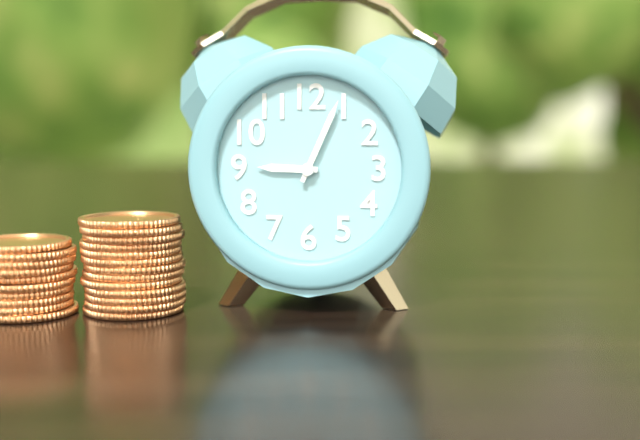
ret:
9:04
